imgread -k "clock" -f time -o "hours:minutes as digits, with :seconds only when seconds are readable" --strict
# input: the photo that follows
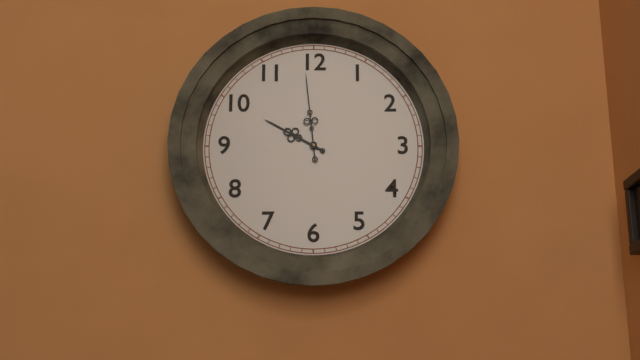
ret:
9:59
